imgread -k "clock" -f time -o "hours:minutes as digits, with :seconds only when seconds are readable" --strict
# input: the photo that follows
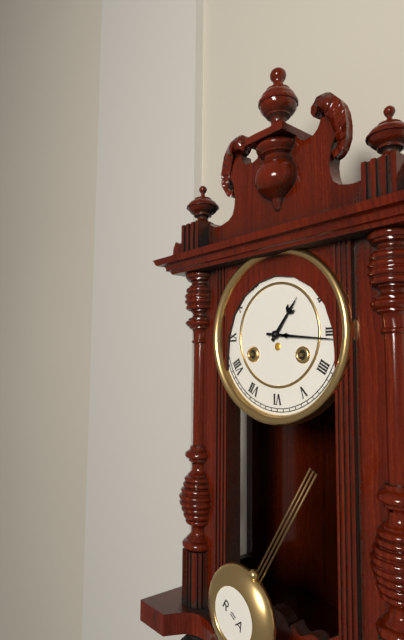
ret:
1:16
